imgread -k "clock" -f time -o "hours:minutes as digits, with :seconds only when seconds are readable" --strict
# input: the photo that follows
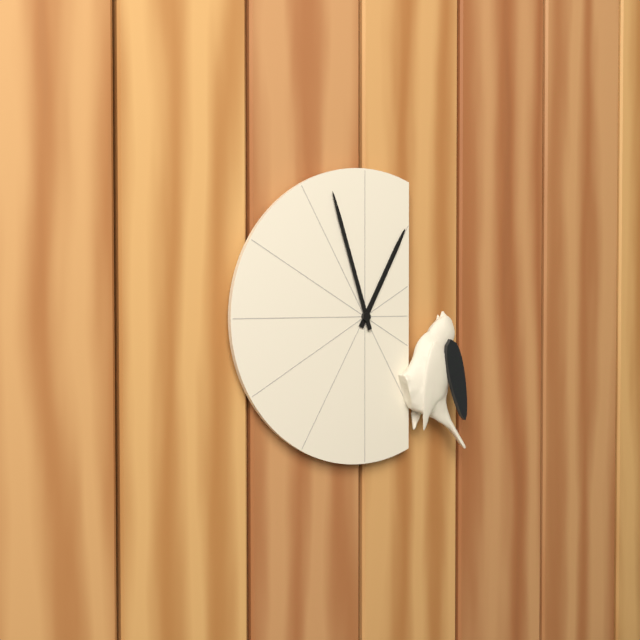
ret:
12:57
